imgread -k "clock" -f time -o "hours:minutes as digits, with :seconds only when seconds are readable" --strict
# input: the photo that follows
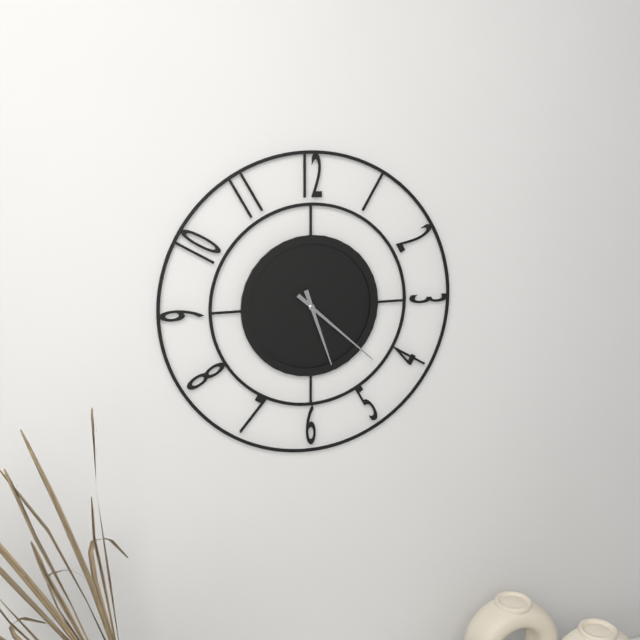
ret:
5:22
